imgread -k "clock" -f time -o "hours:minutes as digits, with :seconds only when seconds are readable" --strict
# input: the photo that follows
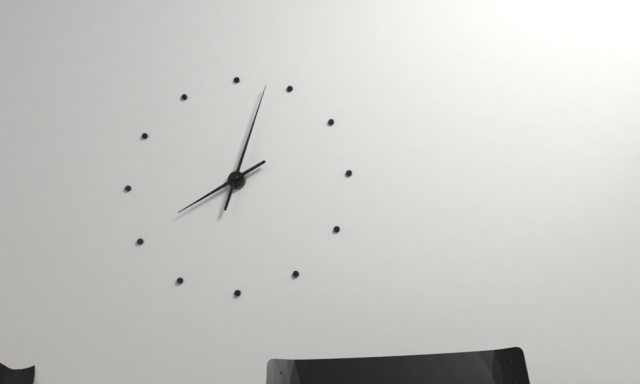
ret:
8:03
